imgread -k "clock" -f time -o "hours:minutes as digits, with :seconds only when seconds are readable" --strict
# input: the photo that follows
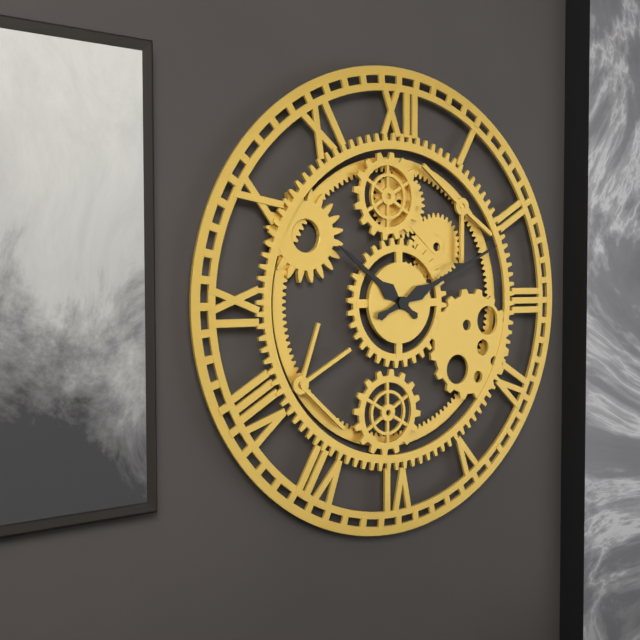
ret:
10:11
